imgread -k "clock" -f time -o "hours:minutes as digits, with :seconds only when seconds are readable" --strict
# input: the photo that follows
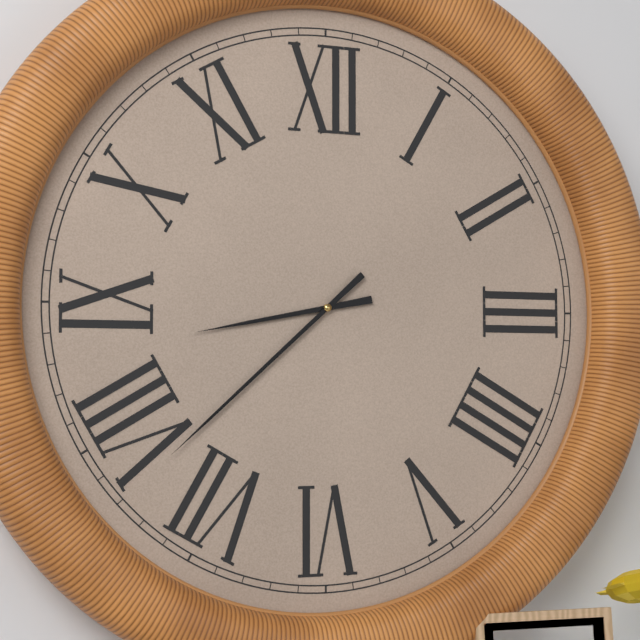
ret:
8:38
